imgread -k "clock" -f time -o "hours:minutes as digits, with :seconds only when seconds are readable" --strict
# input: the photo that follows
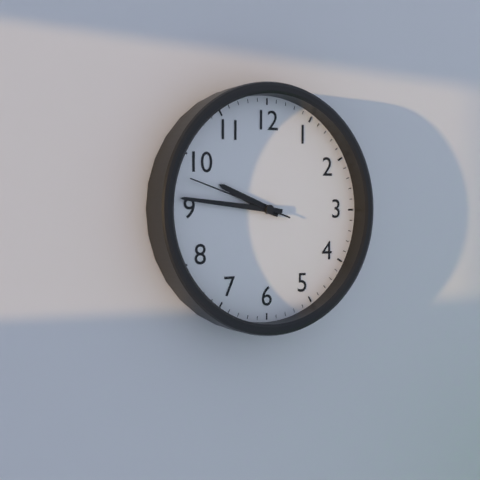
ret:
9:46:48
